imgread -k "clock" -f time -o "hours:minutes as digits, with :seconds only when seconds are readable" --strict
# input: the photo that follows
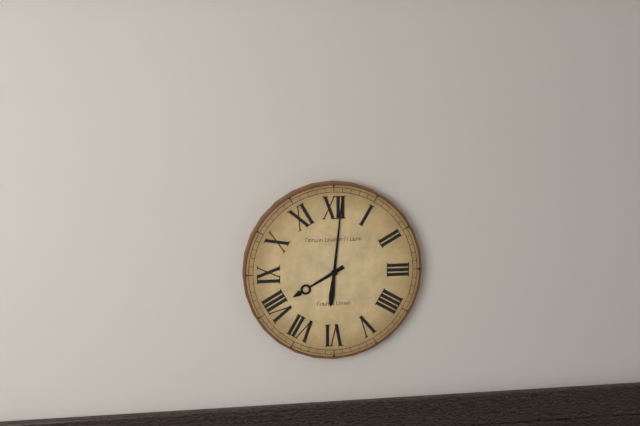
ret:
8:01
